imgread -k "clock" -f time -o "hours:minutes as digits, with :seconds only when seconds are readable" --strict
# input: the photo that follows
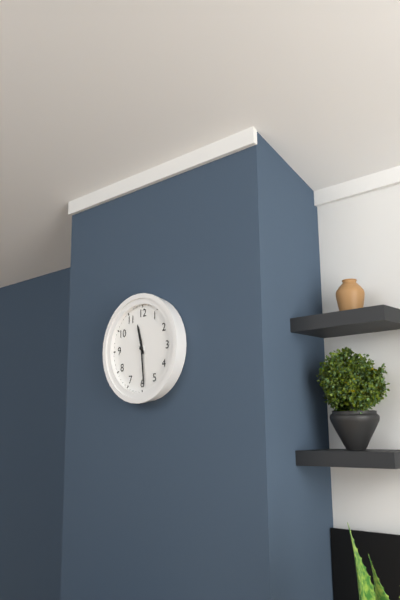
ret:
11:29
